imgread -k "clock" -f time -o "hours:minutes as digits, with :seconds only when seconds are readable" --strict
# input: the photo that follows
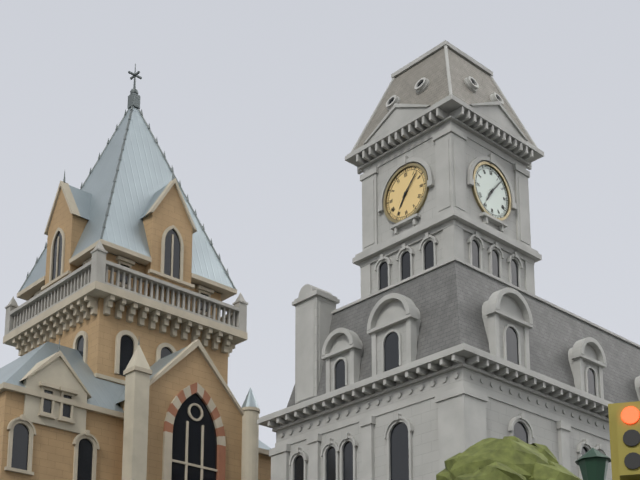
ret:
7:07
